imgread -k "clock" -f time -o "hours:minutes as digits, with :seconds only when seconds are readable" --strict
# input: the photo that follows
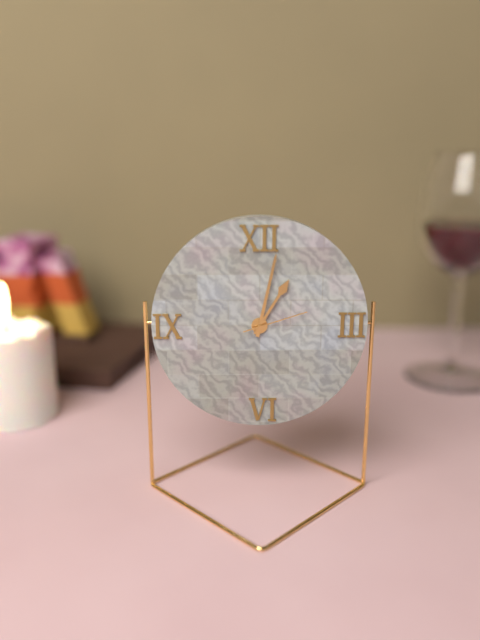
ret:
1:02:12
